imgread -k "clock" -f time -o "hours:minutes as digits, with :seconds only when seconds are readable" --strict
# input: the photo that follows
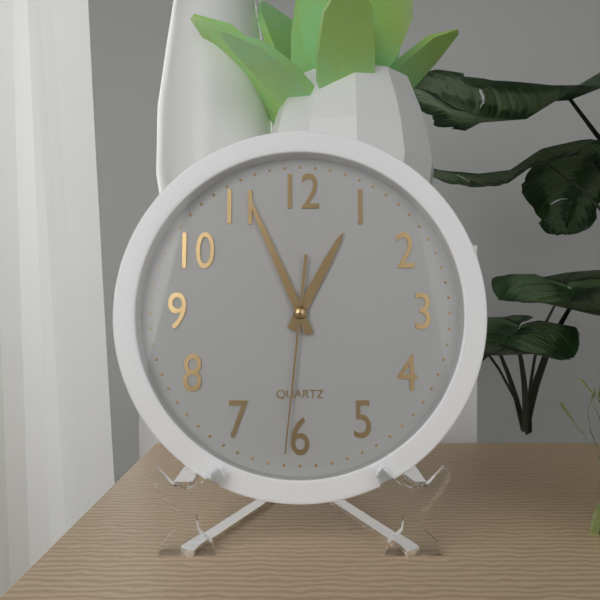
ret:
12:56:31
